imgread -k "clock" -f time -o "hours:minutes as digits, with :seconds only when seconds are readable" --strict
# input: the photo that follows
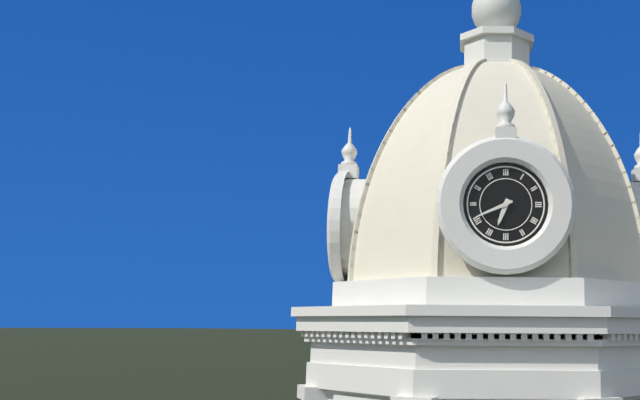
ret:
6:41
